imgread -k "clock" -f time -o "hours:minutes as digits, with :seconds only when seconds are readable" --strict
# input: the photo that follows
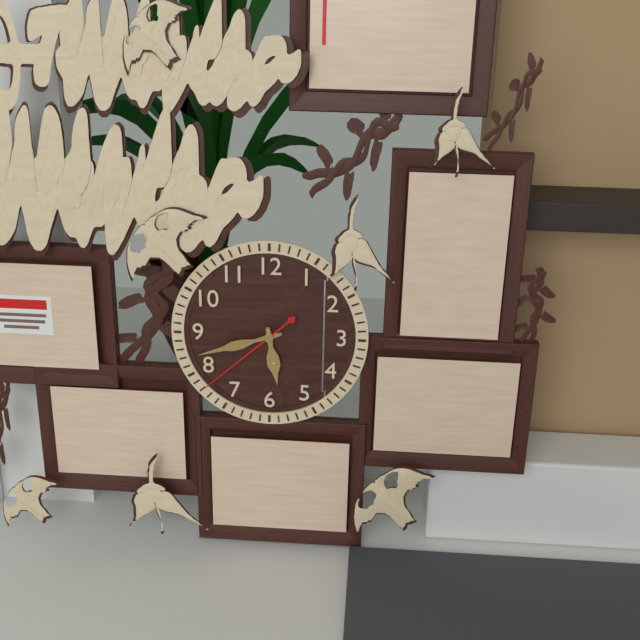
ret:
5:42:38
